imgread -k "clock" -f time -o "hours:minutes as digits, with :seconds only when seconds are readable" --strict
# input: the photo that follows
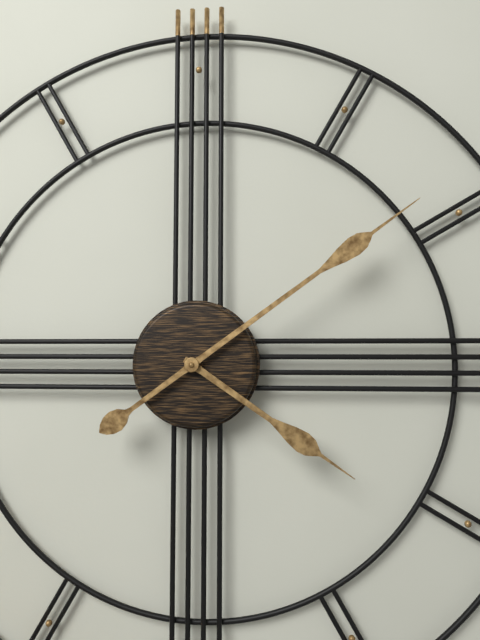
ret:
4:09
